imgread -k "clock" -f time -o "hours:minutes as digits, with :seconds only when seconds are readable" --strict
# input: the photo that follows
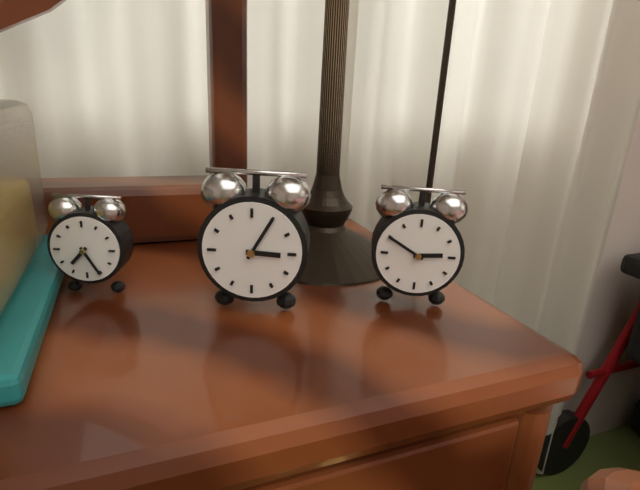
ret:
3:05
